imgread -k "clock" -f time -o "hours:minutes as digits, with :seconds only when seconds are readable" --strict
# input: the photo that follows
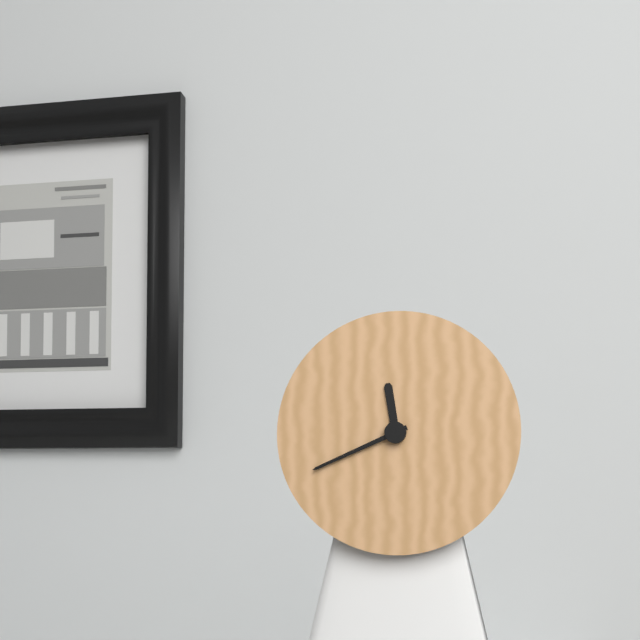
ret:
11:41
